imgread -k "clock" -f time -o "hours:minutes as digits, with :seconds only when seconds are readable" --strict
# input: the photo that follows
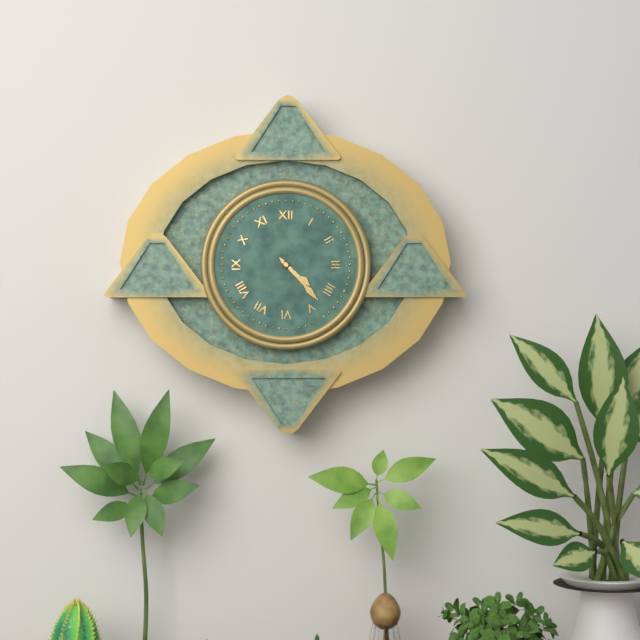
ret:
4:23
